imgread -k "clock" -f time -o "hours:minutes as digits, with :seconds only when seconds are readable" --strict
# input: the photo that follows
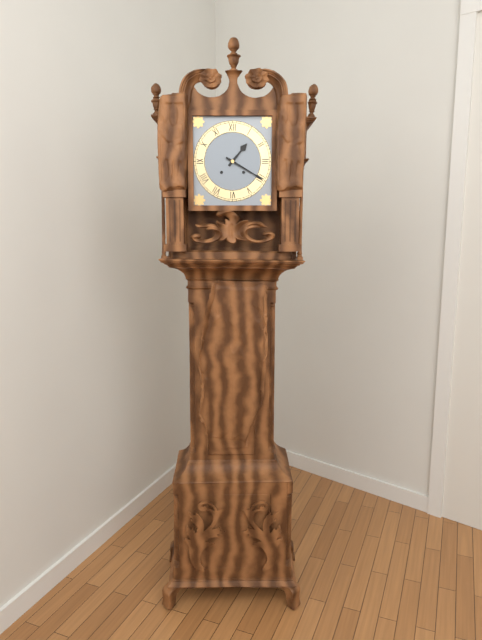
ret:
1:20
